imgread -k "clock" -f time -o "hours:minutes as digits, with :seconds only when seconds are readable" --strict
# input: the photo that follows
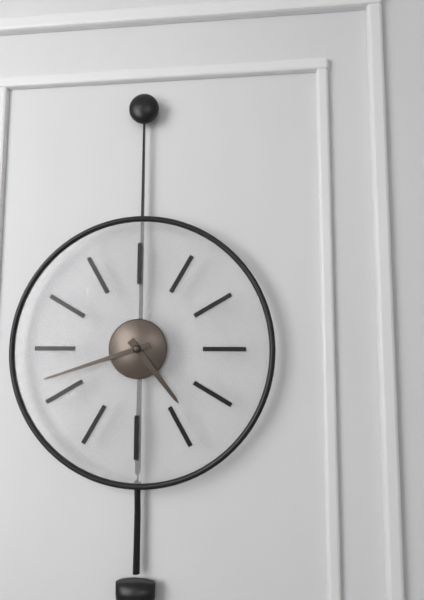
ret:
4:42
